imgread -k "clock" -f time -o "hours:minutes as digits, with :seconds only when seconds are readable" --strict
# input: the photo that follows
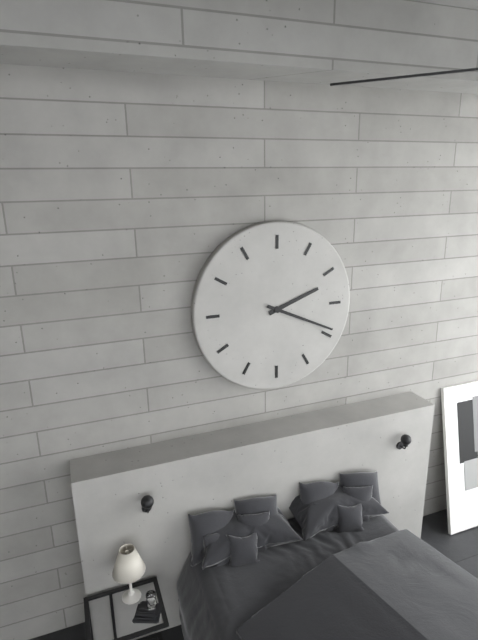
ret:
2:19
